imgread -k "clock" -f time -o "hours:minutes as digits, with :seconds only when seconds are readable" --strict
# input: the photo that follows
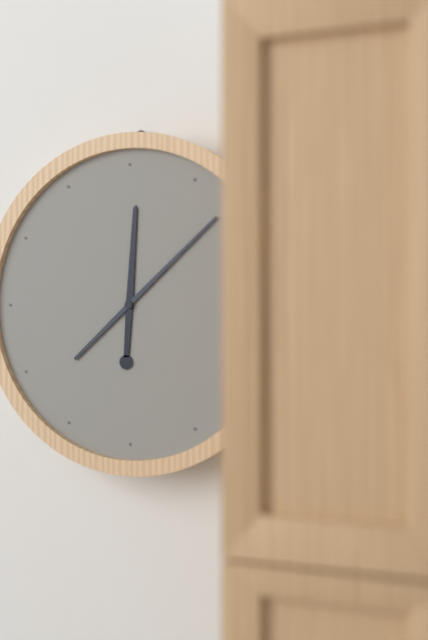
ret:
12:08
